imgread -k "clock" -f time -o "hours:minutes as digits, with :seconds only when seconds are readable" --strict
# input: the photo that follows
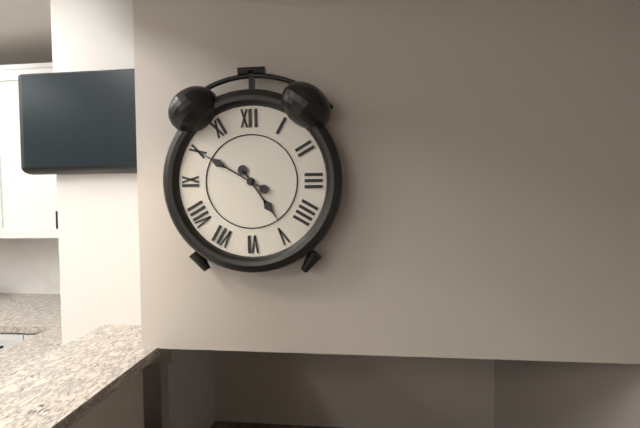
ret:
4:50
